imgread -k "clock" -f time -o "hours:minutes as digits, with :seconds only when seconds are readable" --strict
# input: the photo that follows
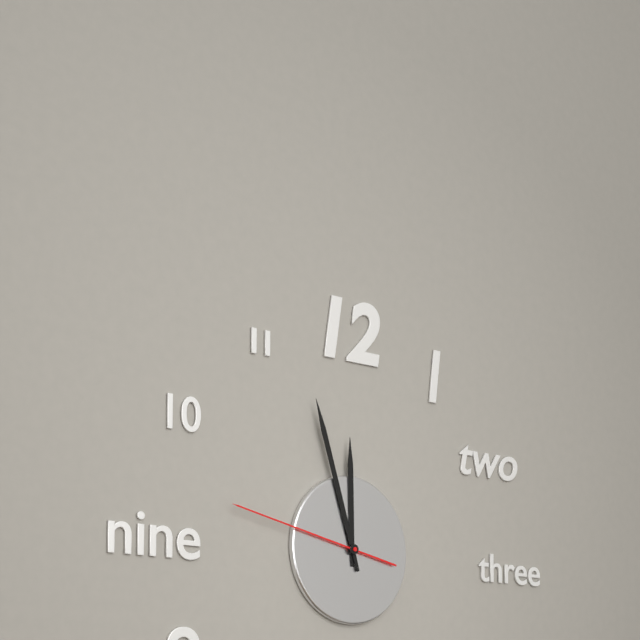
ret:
11:57:47
